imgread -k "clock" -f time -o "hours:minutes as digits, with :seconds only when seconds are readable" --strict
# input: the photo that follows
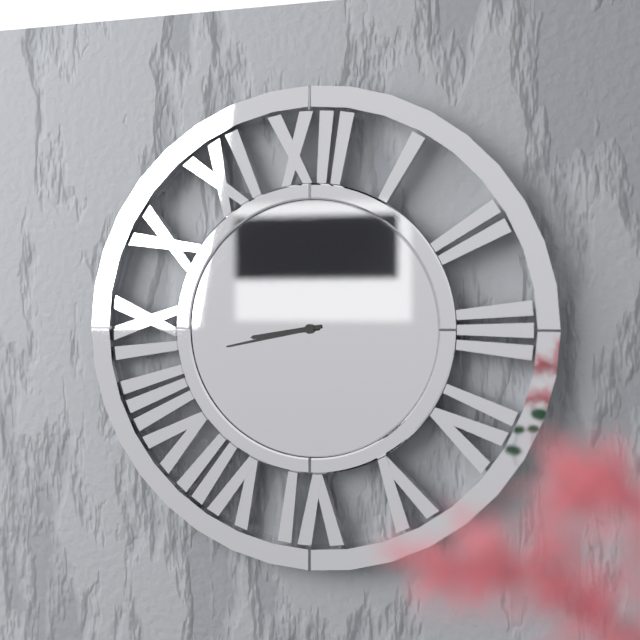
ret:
8:43
